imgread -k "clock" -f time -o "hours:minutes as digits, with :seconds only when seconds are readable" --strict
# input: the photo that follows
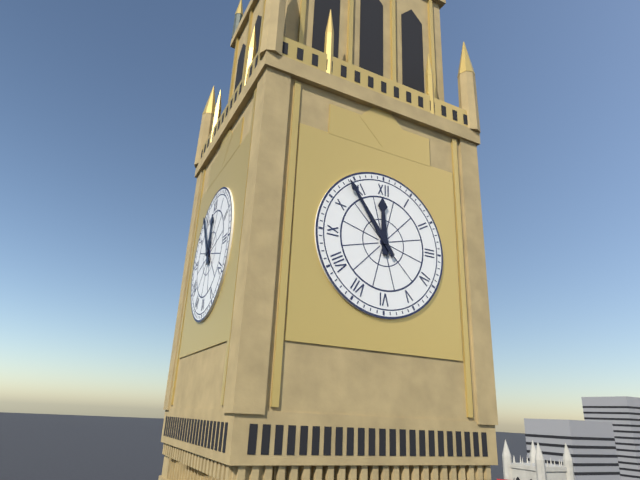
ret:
11:54
